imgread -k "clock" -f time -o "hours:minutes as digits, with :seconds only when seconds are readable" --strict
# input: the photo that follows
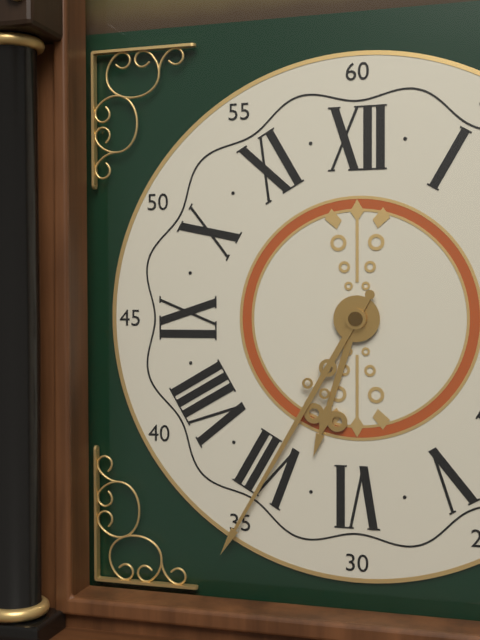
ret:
6:35
